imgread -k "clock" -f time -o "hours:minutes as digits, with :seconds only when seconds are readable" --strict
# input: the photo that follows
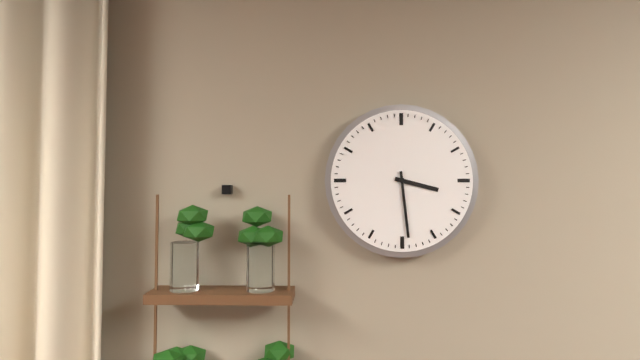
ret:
3:29
